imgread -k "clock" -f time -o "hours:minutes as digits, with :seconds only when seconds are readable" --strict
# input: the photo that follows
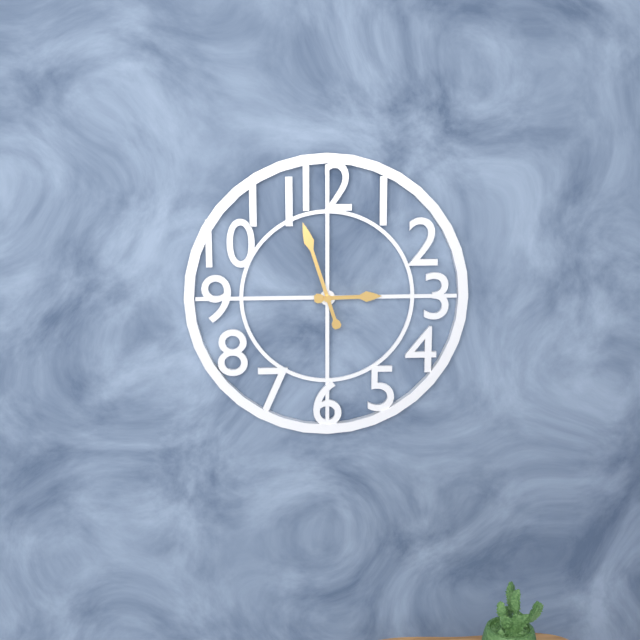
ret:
2:57
